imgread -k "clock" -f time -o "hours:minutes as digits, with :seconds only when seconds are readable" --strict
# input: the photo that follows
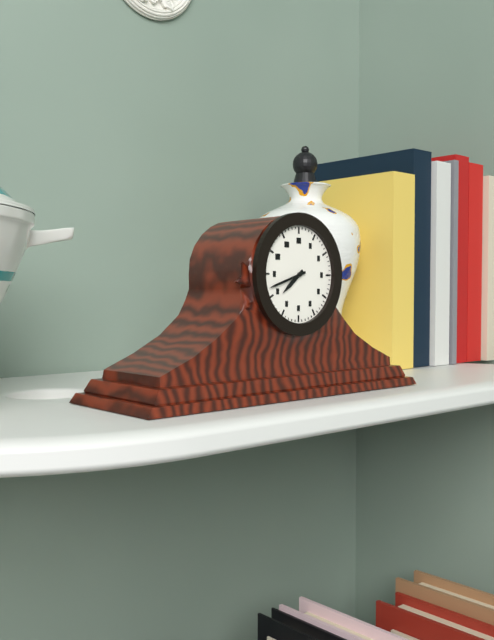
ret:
7:42
